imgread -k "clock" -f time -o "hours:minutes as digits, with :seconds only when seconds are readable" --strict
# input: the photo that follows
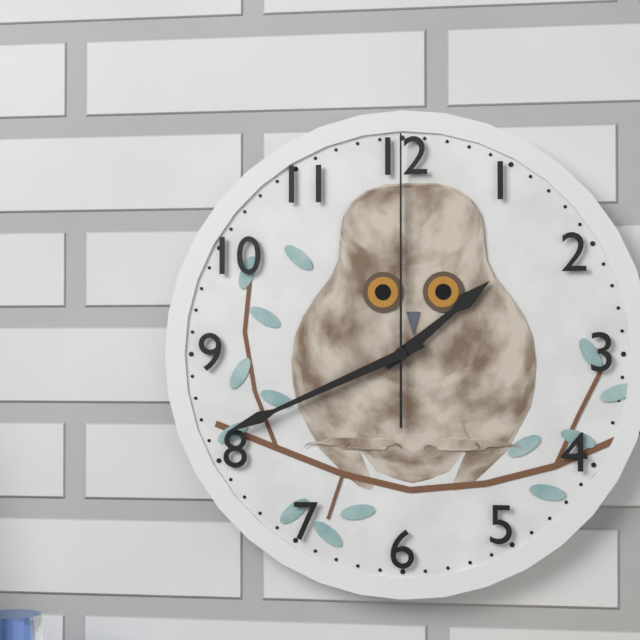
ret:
1:41:00
